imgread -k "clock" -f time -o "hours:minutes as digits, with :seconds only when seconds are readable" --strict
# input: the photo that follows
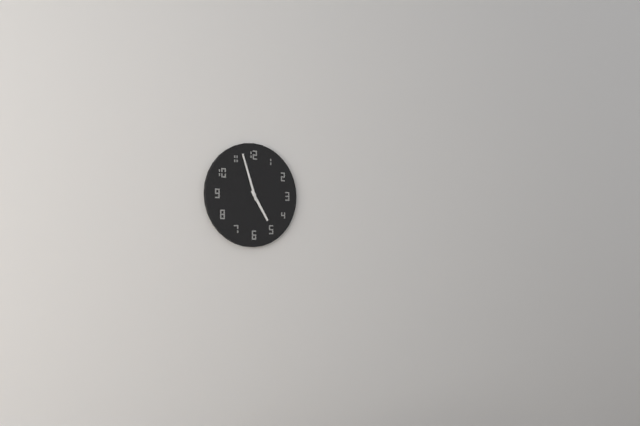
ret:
4:57
